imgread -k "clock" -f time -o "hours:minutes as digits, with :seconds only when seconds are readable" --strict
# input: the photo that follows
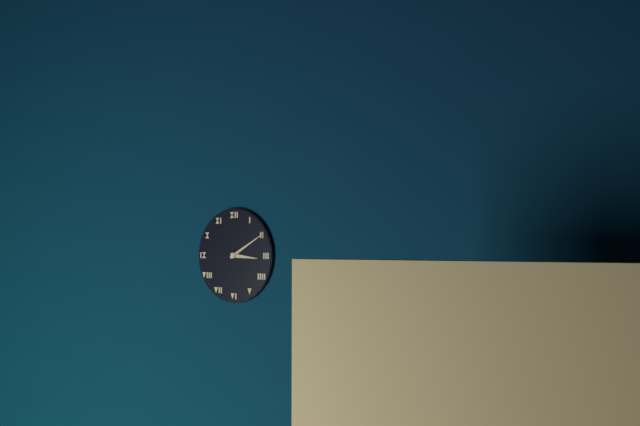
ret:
3:10
